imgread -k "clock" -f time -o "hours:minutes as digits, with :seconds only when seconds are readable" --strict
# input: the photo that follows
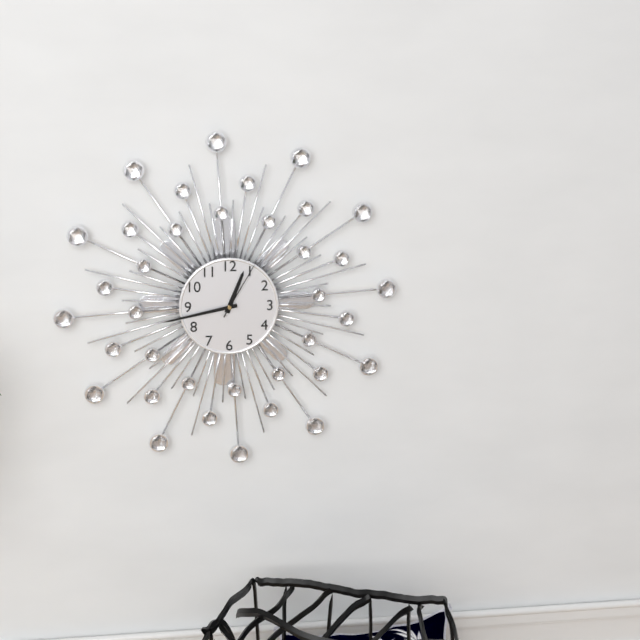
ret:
12:43:05
